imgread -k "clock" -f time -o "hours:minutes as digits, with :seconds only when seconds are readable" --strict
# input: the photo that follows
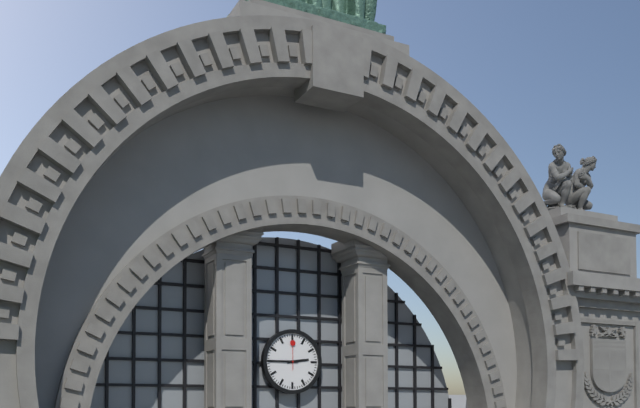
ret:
2:45
